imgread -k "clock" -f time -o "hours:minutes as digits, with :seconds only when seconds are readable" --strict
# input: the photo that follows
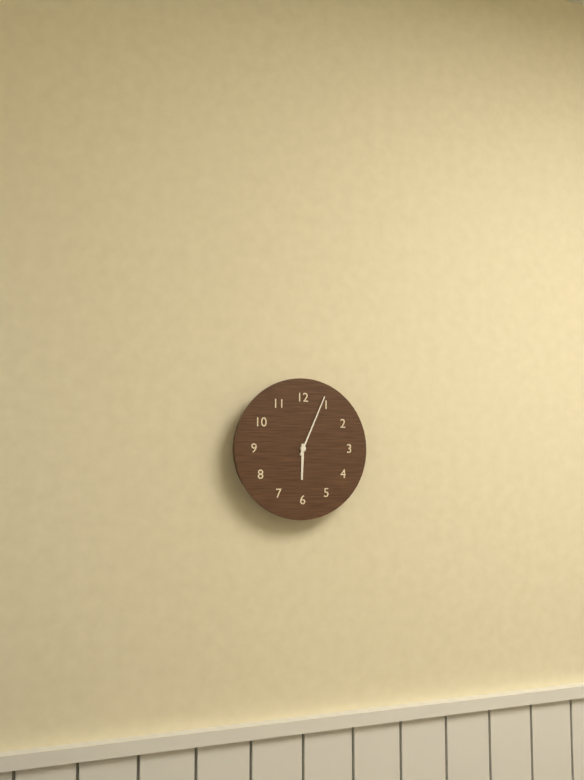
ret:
6:04
